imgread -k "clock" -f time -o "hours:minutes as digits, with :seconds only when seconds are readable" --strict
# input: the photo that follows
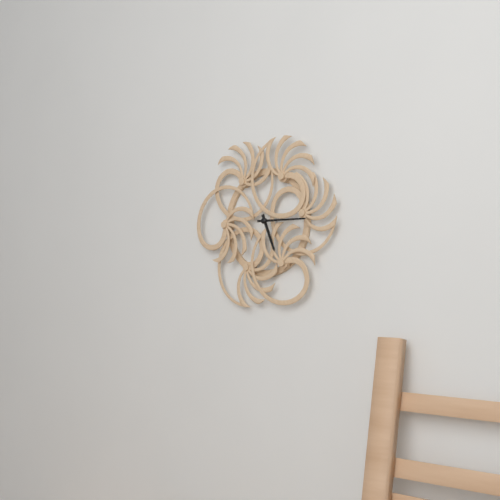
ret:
5:15
